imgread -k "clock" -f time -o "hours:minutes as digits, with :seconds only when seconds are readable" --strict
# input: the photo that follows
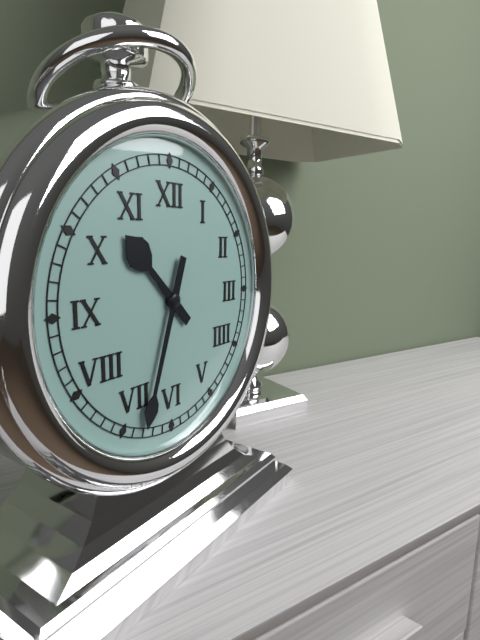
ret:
10:33
